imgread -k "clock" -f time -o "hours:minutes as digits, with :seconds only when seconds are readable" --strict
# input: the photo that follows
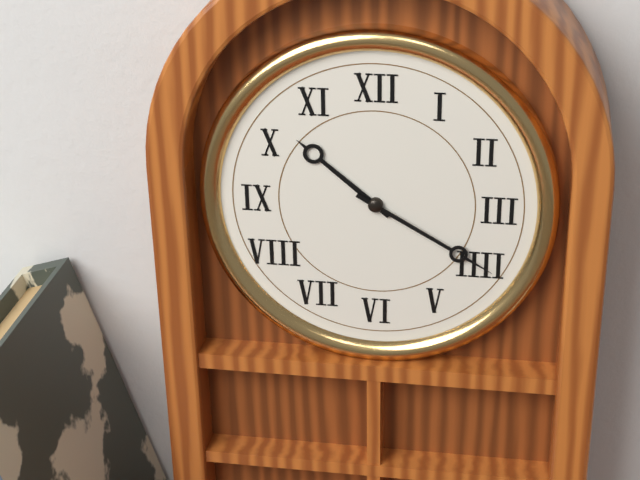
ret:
10:20
